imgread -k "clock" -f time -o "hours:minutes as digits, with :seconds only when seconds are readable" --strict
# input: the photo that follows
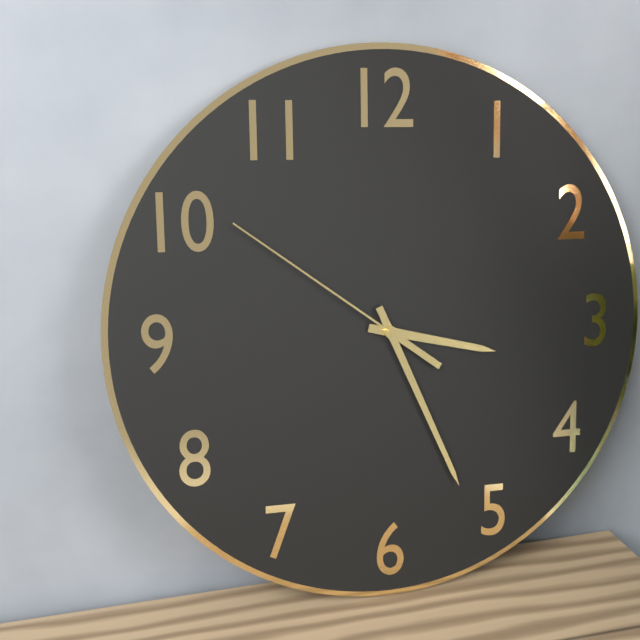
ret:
3:26:51
